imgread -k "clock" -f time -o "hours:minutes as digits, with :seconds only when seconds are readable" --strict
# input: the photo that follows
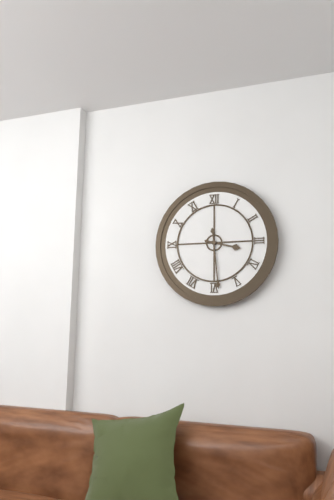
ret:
3:29
